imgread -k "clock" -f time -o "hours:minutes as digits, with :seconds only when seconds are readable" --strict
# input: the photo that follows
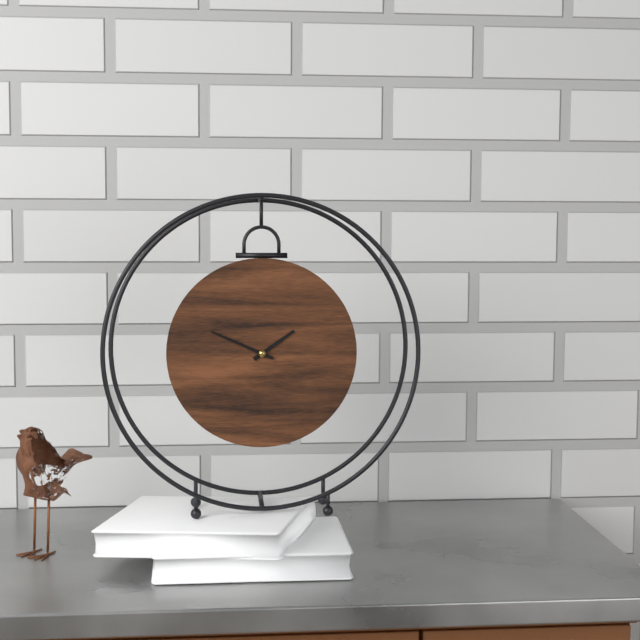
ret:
1:49
